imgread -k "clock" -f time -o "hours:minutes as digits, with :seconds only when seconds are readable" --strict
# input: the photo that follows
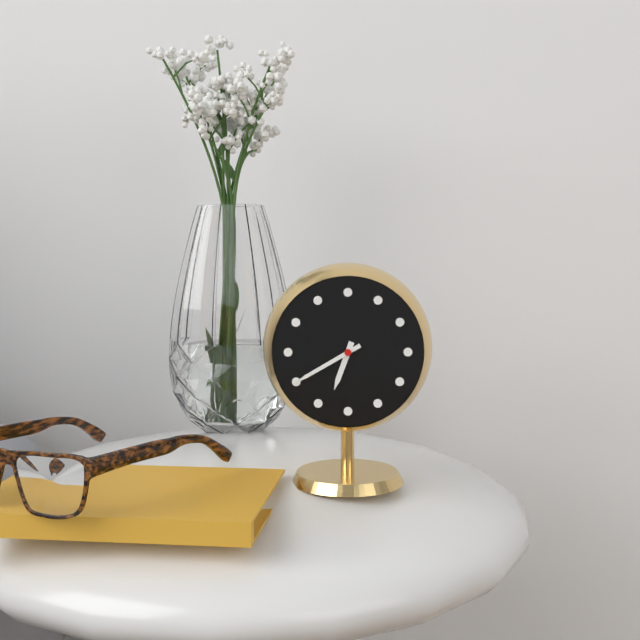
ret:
6:40
